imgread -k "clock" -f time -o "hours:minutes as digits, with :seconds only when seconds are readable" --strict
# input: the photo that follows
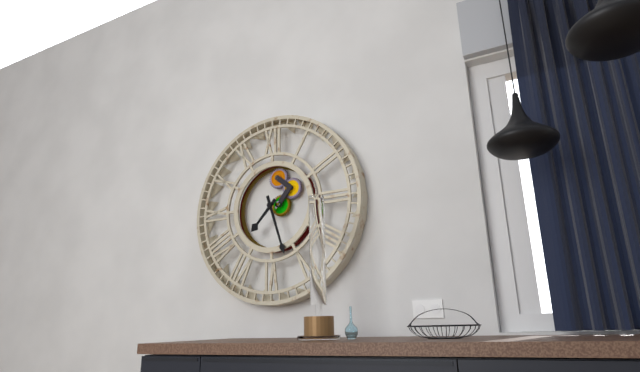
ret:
7:27
